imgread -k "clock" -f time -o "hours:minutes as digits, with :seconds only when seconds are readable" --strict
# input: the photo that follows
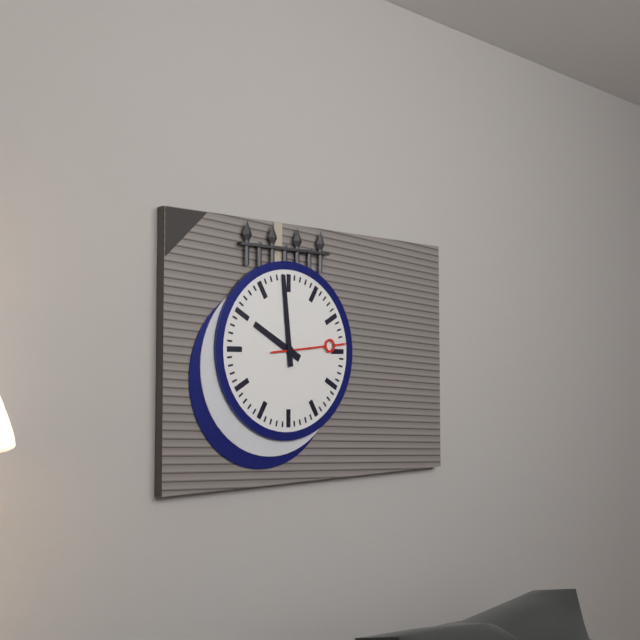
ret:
9:59:14
